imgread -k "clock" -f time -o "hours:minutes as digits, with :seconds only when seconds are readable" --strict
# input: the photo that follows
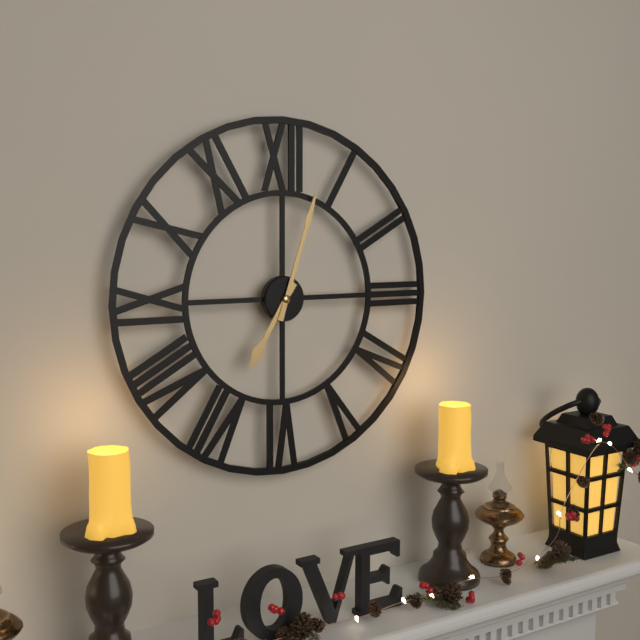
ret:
7:03
